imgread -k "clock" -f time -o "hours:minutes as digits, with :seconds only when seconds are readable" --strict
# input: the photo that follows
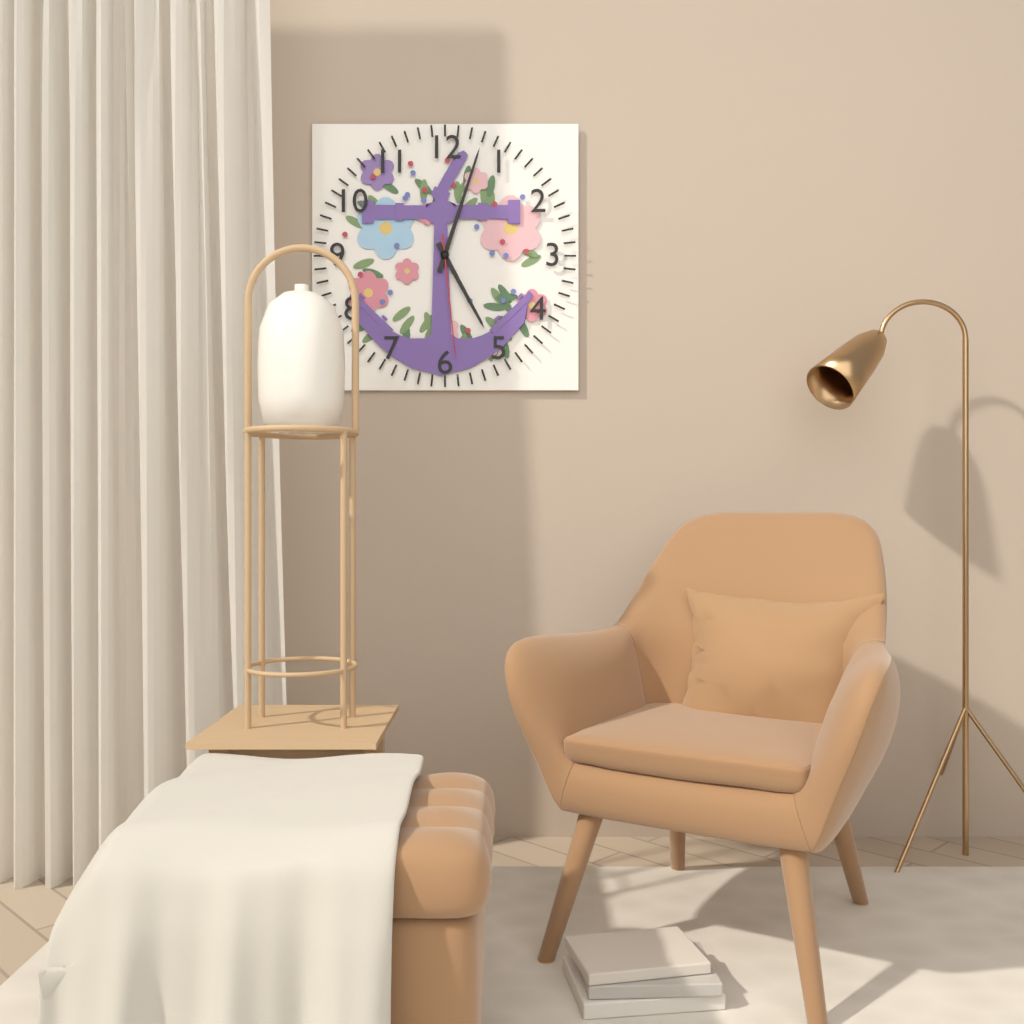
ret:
5:03:29
